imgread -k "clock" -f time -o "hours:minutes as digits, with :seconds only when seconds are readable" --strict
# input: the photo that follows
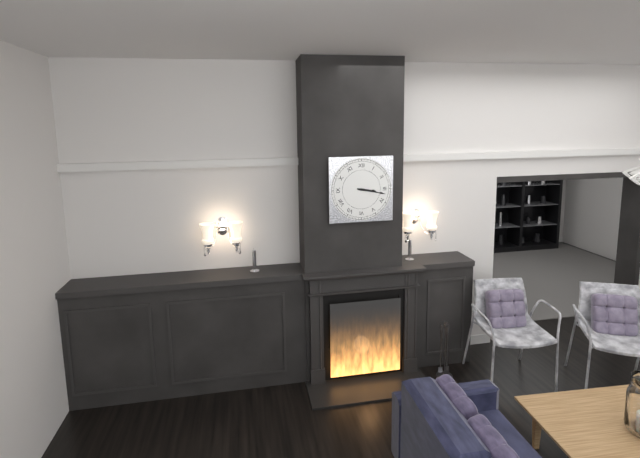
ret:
3:17
